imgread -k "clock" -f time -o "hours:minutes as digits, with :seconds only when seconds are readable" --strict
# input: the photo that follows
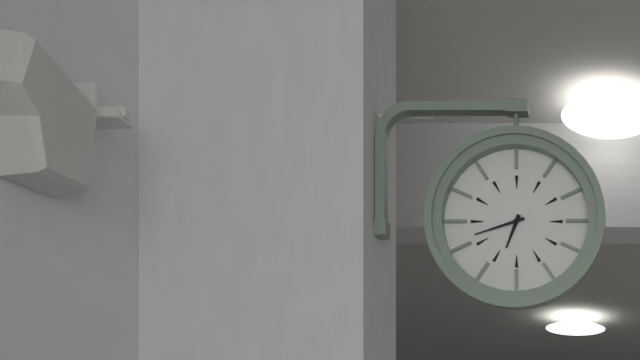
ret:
6:42
